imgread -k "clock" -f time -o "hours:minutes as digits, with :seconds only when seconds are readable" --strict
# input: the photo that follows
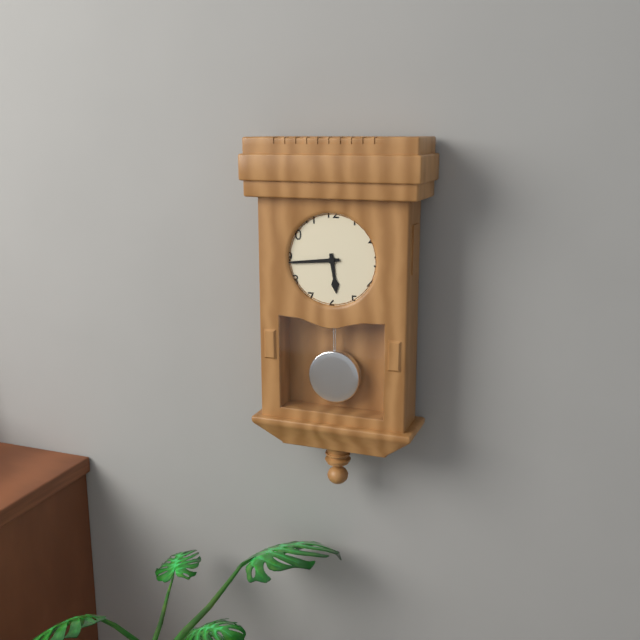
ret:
5:44
